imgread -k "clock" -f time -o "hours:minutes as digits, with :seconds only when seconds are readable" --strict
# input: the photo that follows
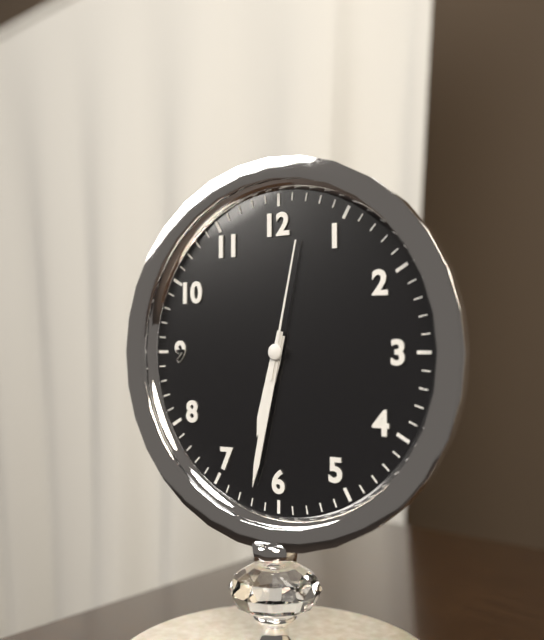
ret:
6:32:02
